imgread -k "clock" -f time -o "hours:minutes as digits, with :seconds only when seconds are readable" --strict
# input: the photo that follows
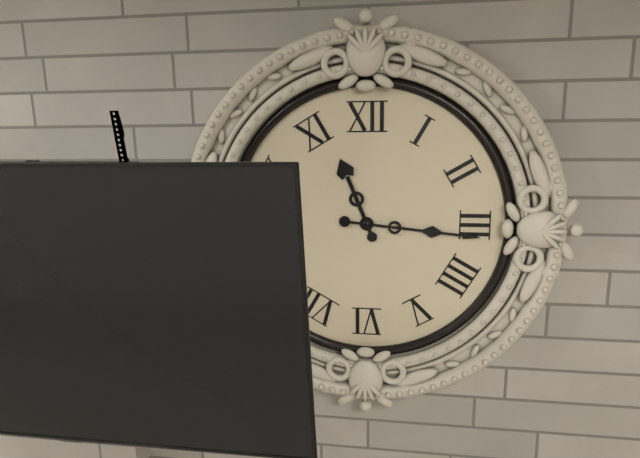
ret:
11:16
